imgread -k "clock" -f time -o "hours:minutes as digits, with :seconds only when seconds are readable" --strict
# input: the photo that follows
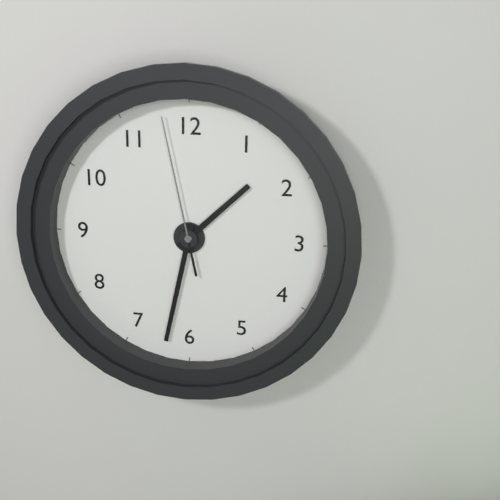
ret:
1:32:58
